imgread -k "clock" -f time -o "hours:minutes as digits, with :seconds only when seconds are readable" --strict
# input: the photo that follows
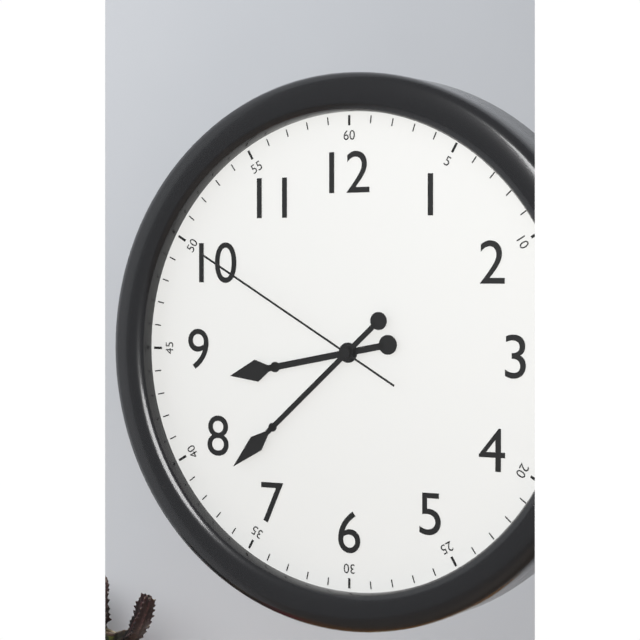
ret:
8:38:50
